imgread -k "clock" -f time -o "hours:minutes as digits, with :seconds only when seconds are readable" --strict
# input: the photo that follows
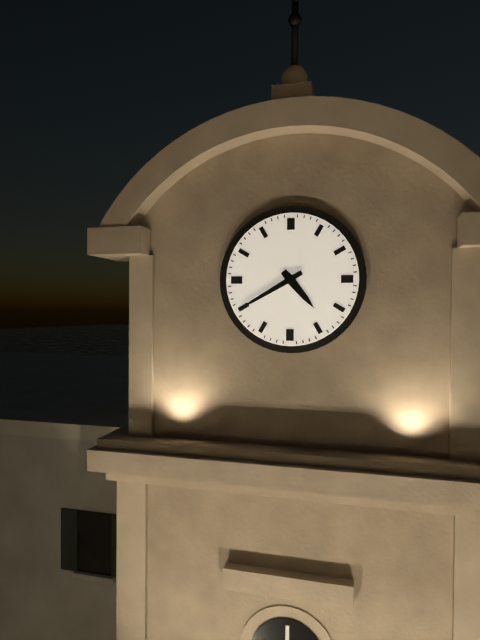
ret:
4:40
